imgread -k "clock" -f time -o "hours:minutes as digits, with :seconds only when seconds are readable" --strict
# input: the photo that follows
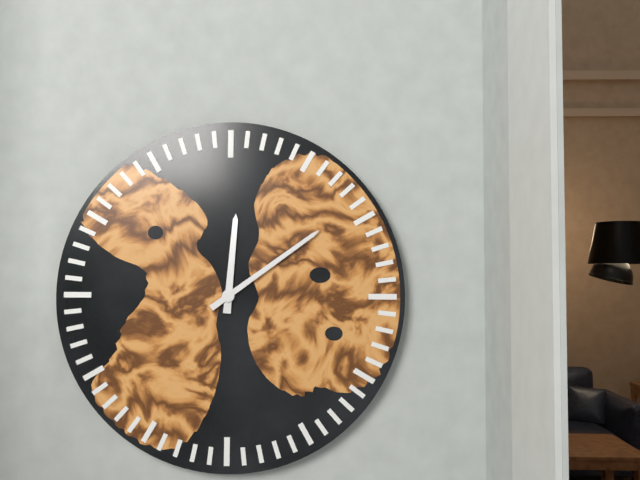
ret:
12:09
